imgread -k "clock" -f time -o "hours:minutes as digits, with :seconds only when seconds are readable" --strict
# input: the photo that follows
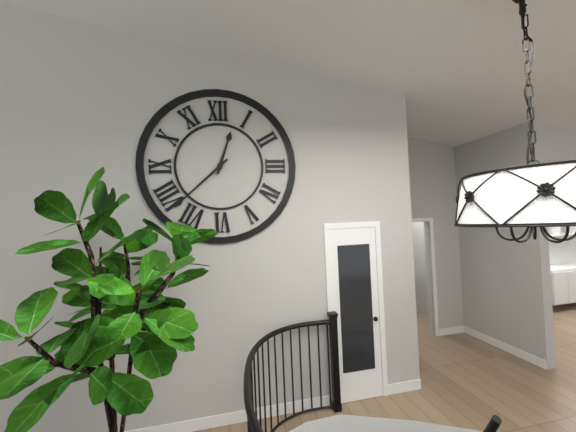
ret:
12:38
